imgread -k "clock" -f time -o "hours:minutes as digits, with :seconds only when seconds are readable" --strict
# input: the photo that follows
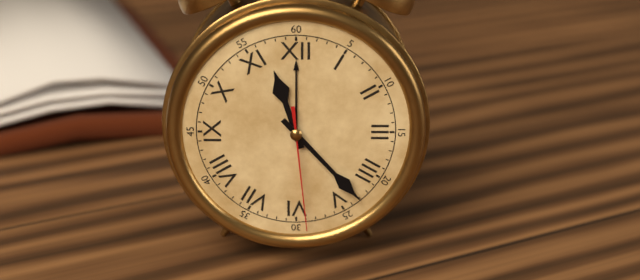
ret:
11:23:29
